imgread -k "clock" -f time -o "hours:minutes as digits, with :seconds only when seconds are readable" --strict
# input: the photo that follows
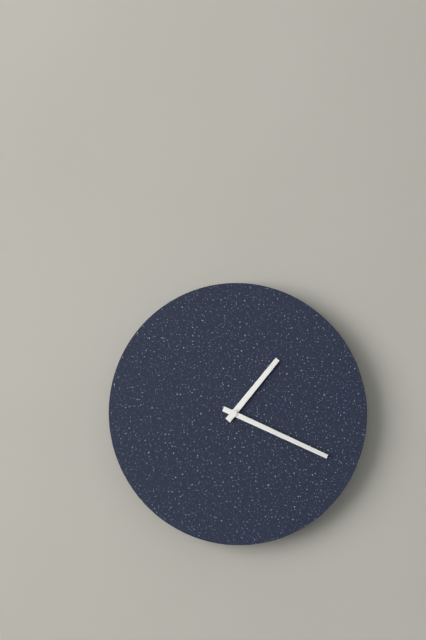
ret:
1:19
